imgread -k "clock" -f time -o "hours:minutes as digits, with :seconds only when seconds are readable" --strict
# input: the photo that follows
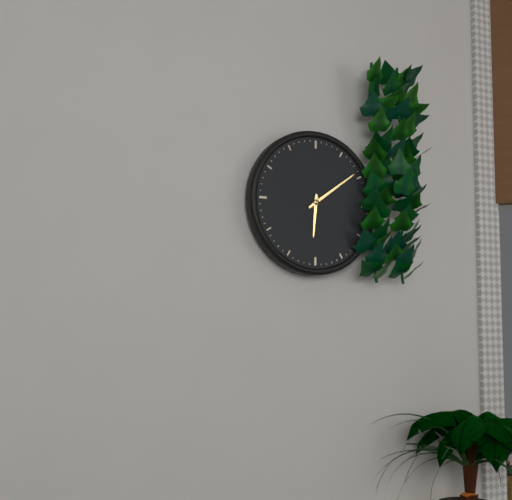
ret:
6:09
